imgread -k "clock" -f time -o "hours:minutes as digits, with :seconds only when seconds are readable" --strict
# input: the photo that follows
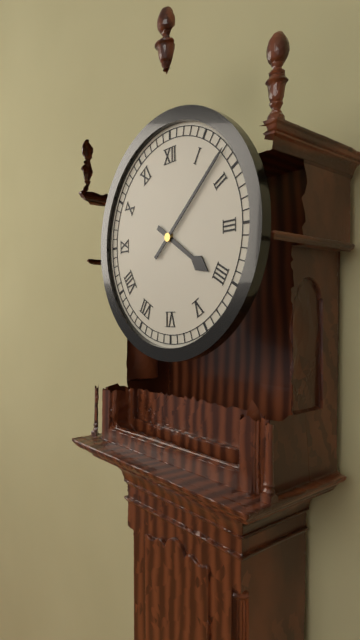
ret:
4:08
